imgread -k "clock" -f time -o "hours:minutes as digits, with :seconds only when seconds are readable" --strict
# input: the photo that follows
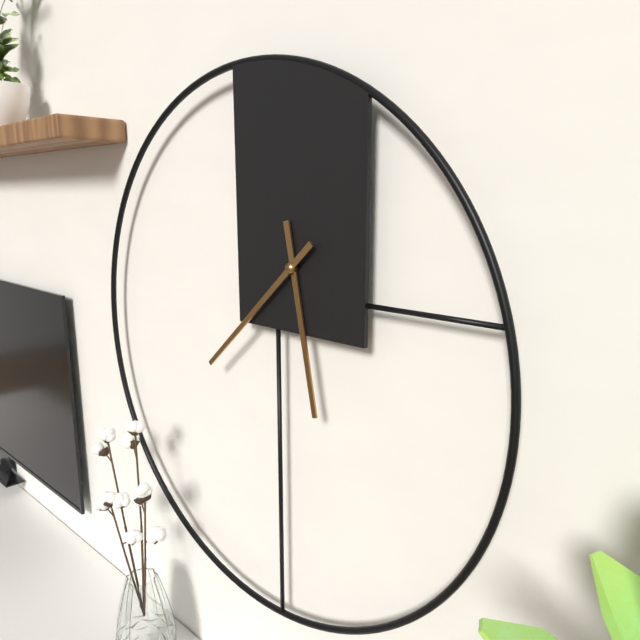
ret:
5:38
